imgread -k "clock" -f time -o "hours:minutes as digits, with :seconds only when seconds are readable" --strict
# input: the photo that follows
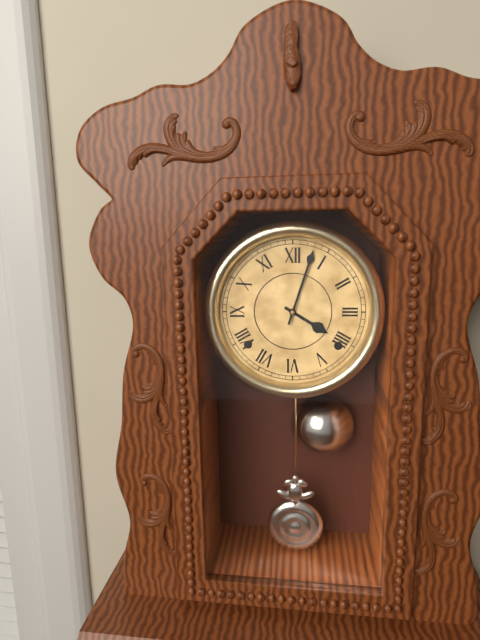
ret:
4:03
